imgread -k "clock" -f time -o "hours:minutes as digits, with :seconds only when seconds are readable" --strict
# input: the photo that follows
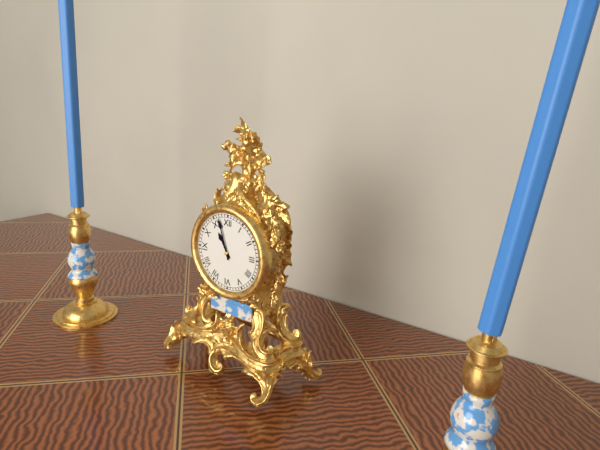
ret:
10:57
